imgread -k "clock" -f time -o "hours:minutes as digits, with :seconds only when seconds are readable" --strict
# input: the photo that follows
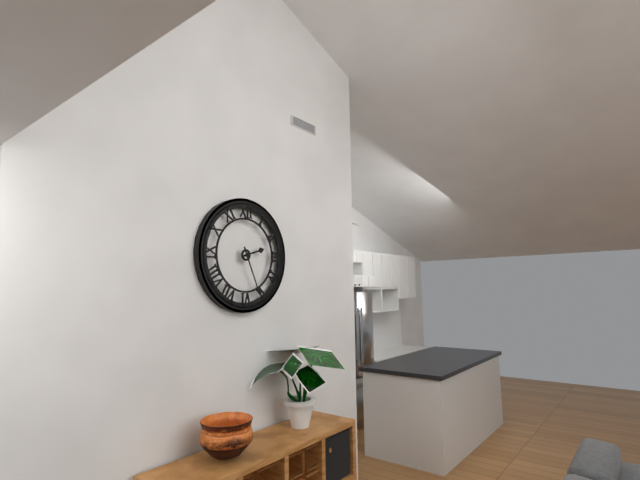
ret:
2:26
